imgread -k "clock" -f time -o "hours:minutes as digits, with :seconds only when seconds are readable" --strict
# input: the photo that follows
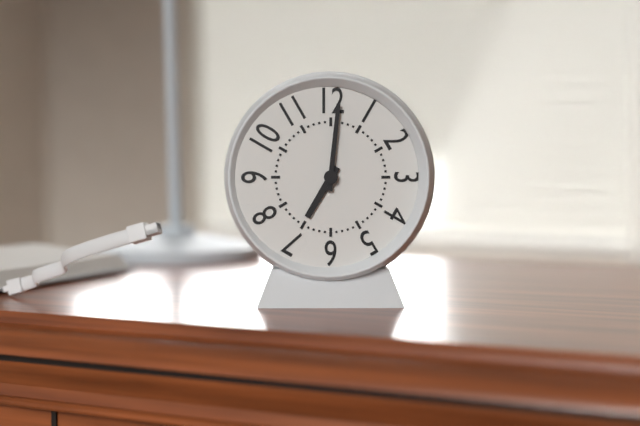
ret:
7:01
